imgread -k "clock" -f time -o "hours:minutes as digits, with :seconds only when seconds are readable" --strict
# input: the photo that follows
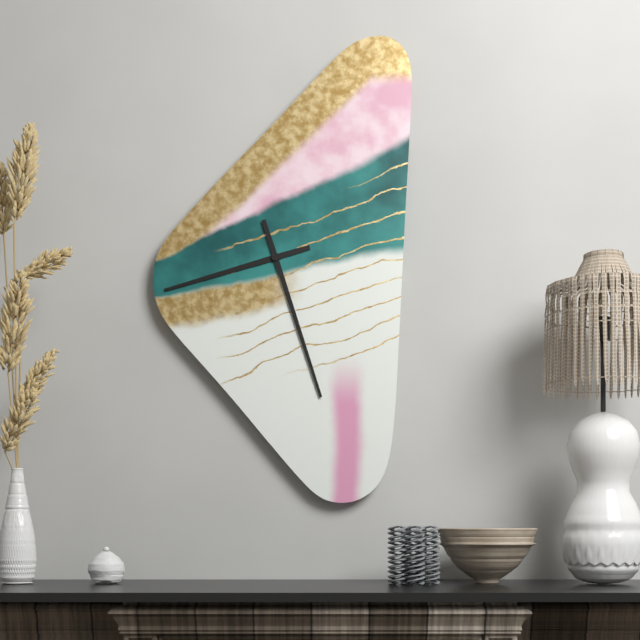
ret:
8:27
